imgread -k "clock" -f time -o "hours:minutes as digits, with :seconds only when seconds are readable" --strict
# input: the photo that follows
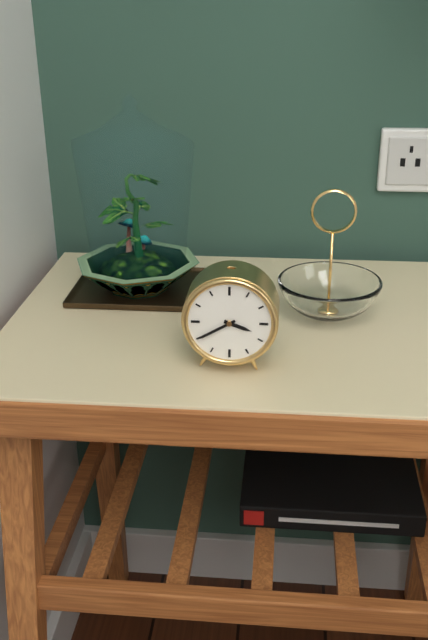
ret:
3:40
